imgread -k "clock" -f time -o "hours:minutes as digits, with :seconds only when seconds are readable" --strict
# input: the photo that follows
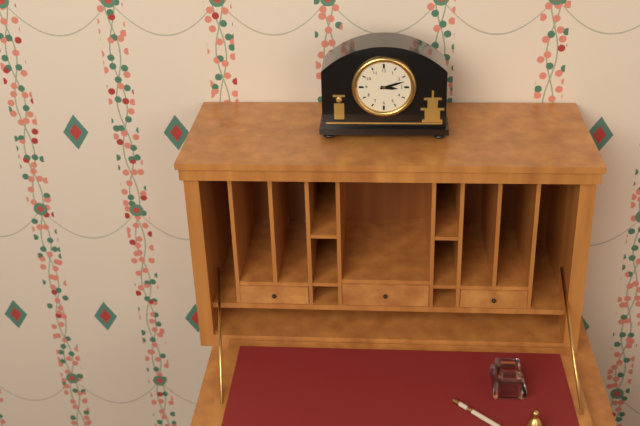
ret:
3:12
